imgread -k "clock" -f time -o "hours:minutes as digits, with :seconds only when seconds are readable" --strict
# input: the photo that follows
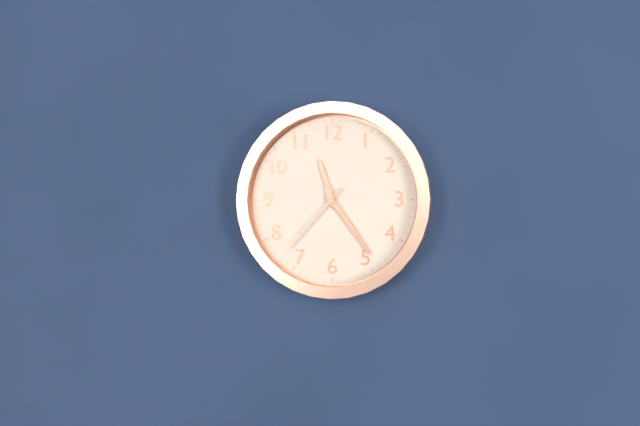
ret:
11:24:37
